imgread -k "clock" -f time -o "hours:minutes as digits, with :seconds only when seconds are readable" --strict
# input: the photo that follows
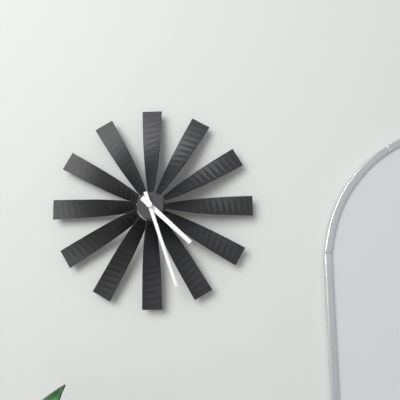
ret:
4:27
